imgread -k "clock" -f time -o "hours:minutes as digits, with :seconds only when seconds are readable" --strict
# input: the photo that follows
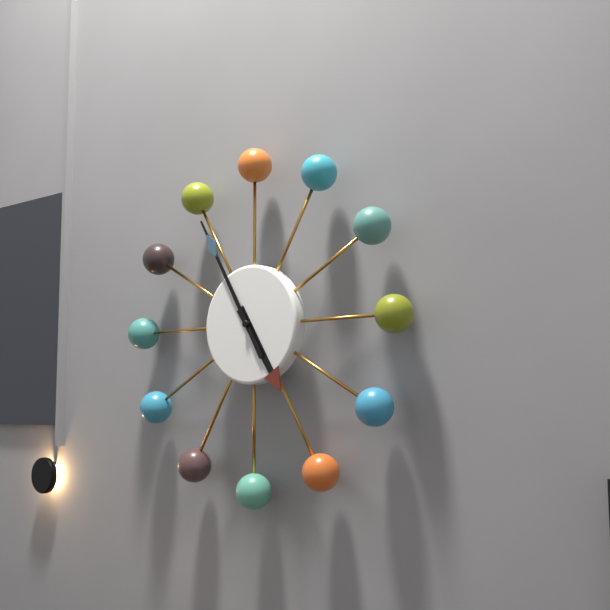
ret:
4:55
